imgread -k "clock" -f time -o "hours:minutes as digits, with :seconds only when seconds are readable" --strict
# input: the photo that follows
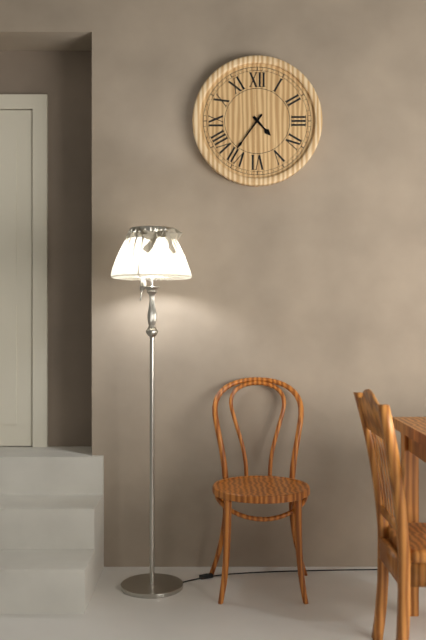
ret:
4:36
